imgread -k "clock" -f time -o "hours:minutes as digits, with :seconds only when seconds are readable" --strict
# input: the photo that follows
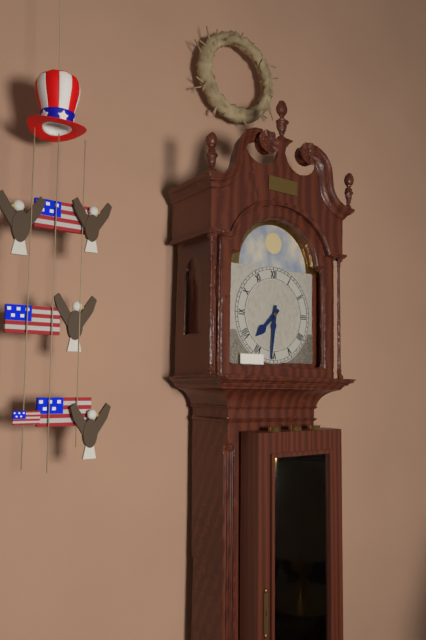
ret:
7:31
